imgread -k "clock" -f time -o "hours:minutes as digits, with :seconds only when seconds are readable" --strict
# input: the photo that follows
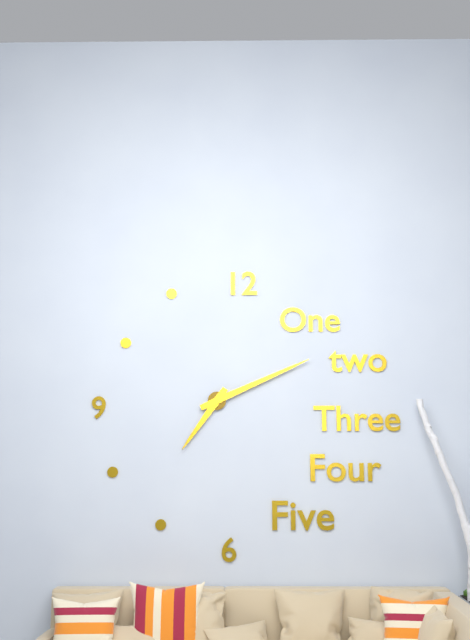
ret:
7:11
